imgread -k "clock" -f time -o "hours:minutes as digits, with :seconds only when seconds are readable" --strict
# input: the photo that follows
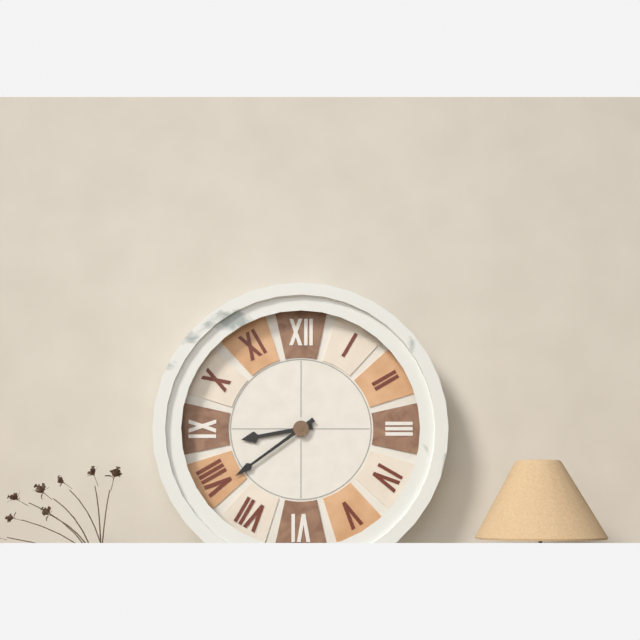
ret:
8:39
